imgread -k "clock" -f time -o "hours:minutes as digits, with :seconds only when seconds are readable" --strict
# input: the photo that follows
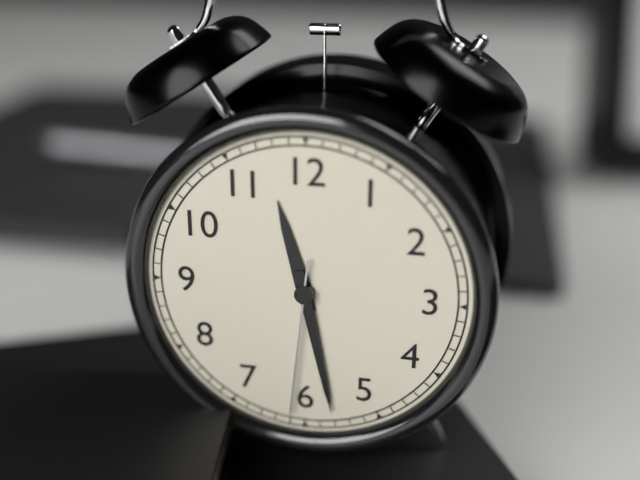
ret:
11:28:31
